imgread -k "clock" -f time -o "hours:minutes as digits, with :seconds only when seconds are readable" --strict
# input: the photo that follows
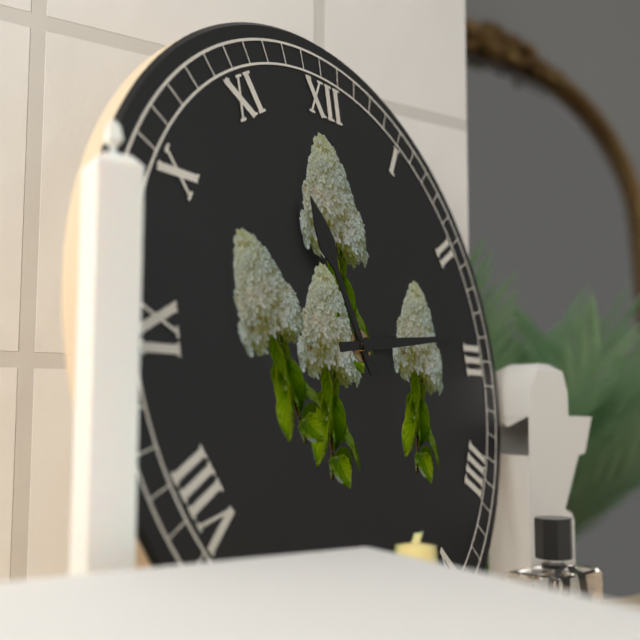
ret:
11:14
